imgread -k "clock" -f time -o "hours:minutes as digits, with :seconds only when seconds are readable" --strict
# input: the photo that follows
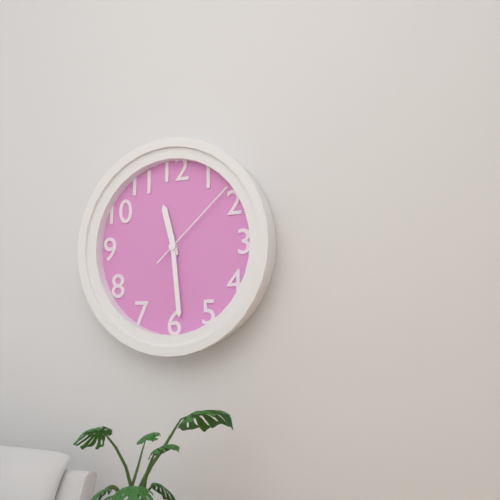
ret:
11:29:08
